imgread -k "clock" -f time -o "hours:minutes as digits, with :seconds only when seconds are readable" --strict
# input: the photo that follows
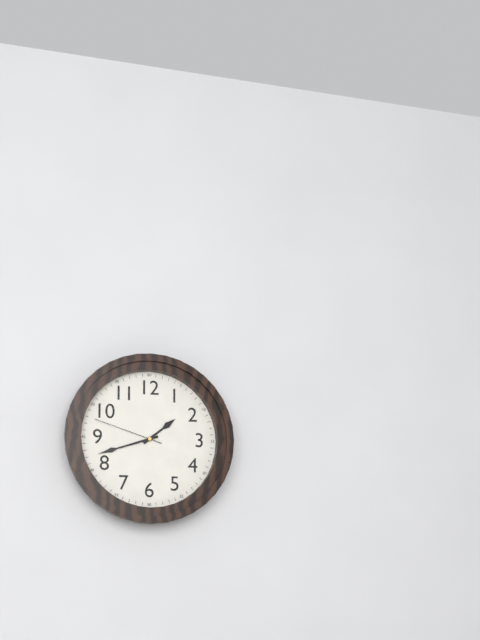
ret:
1:42:48
